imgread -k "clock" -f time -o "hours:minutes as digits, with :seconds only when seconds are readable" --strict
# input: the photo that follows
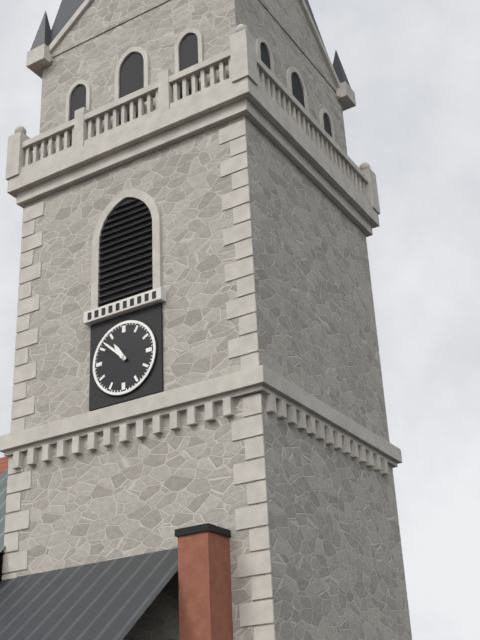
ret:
10:52
